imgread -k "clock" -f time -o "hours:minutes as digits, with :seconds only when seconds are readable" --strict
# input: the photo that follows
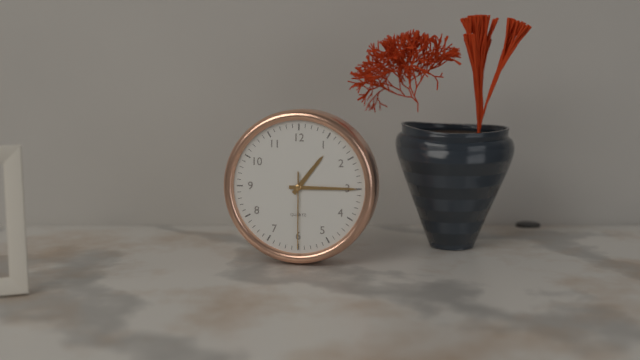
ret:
1:15:30
